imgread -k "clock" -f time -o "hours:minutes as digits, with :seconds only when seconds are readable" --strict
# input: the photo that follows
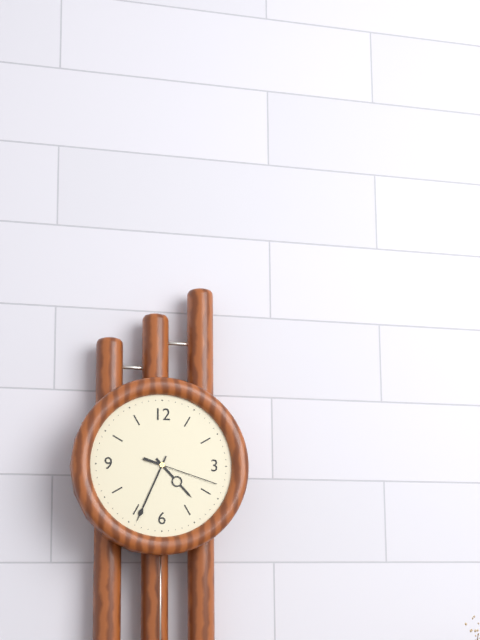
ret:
4:34:18
